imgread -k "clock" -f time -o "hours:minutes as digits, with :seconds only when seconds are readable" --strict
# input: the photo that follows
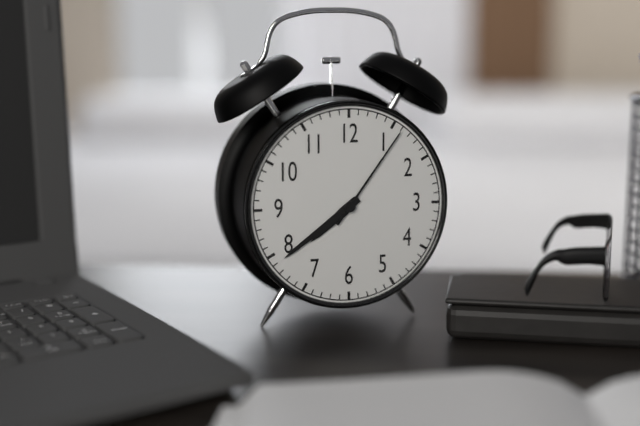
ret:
7:39:06
